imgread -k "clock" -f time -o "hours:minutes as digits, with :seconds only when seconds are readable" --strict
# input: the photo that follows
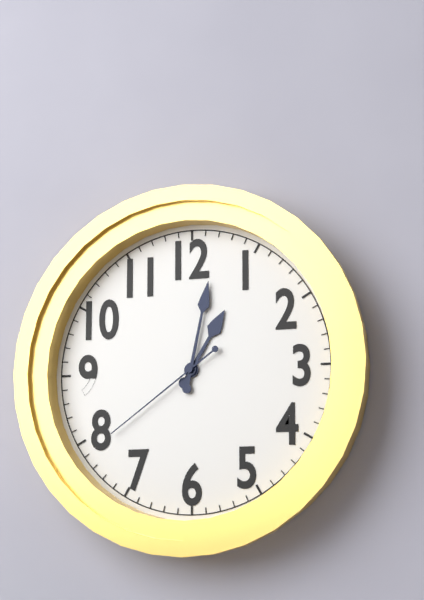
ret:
1:02:39
